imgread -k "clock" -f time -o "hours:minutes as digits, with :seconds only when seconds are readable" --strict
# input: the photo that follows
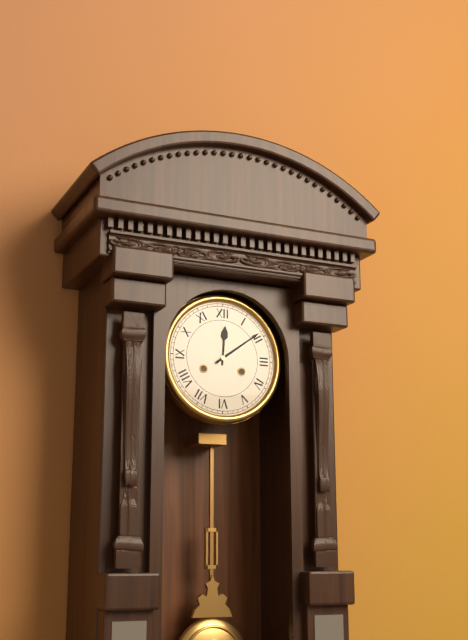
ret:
12:09
